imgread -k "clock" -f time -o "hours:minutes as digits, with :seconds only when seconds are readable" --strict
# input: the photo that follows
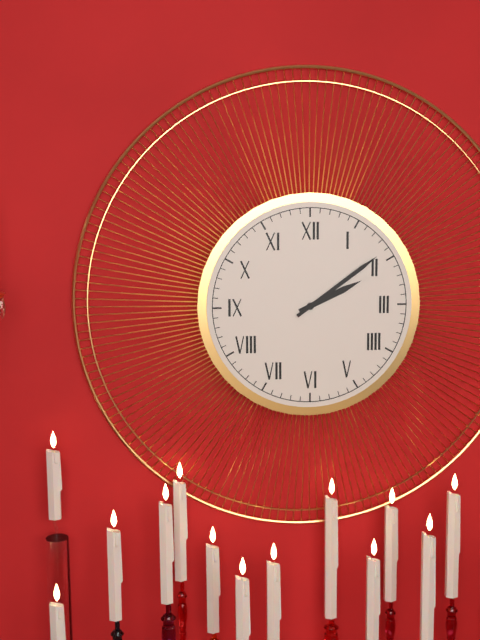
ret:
2:09
